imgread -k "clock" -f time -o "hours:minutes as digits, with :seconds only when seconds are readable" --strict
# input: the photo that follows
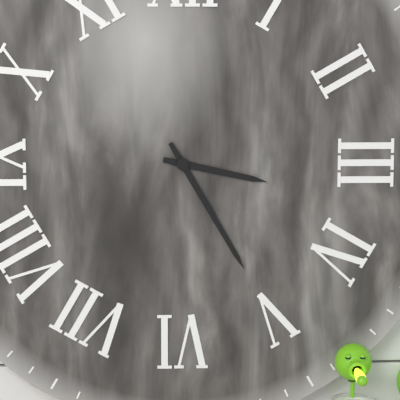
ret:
3:25
